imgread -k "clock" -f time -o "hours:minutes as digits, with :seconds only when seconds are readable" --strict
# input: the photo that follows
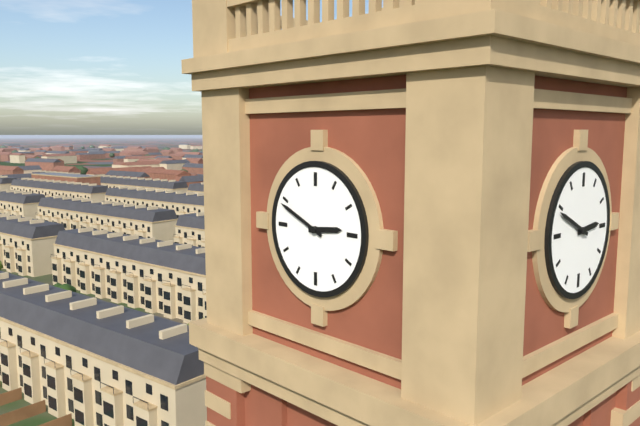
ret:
2:49
